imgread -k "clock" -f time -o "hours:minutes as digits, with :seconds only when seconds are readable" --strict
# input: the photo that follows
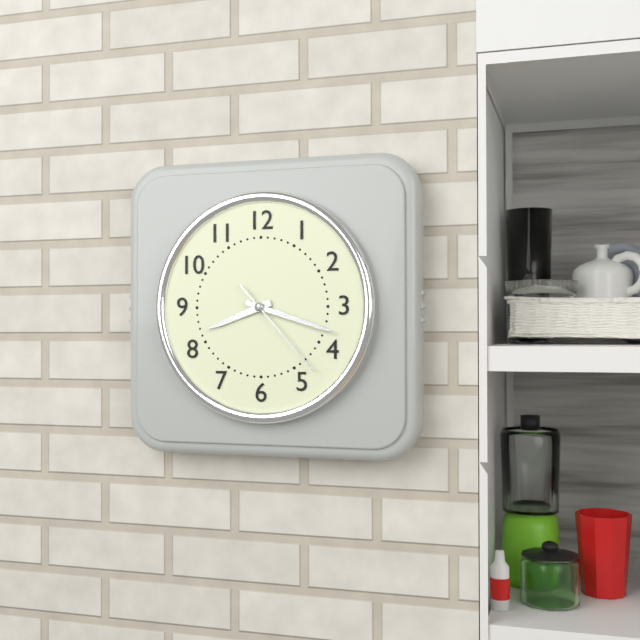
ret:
8:18:23
